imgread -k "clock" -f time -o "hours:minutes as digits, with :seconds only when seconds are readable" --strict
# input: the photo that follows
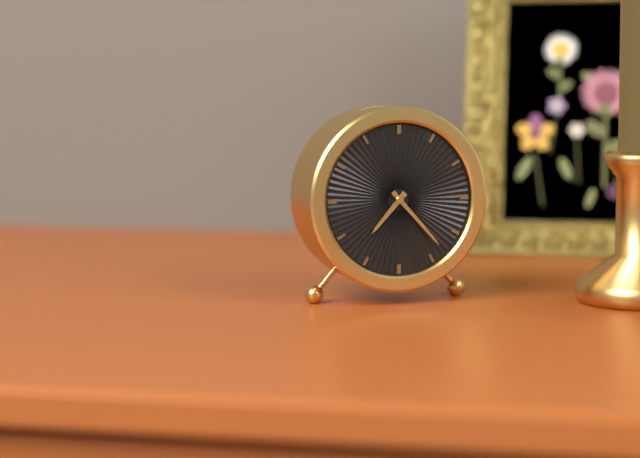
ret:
7:23
